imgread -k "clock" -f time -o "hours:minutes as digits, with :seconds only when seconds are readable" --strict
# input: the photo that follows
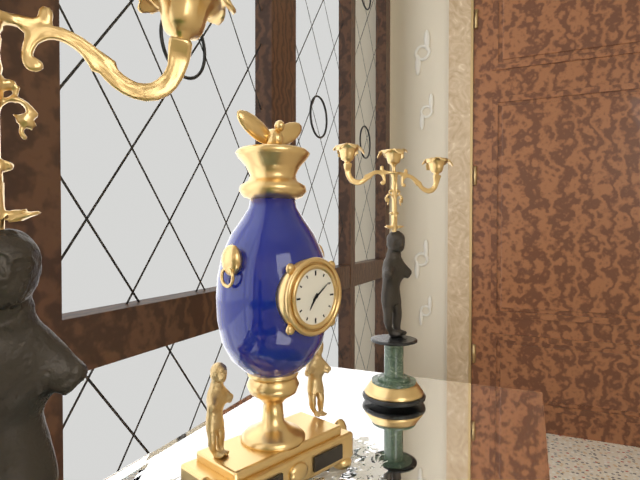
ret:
7:09
